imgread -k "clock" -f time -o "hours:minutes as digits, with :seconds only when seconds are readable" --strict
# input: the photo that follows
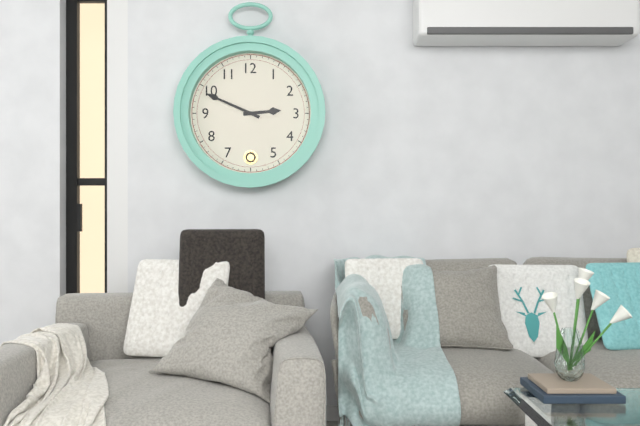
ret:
2:49
